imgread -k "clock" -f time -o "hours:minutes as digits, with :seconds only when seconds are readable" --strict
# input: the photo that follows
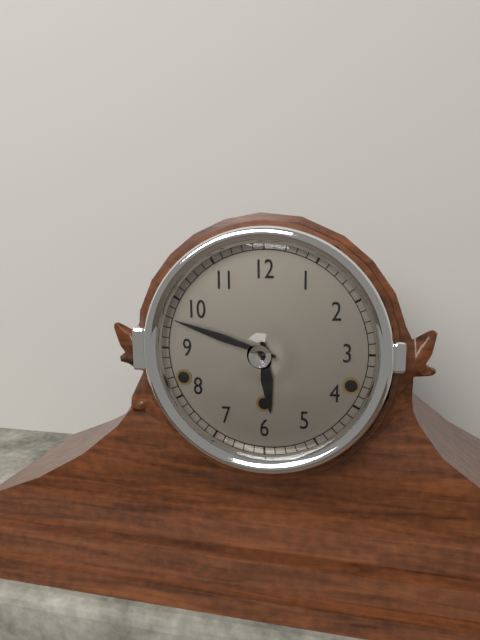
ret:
5:48
